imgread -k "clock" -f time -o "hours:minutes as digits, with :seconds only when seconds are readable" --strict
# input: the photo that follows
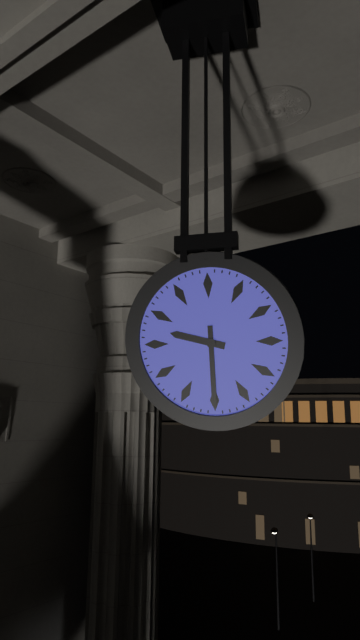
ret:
9:30
